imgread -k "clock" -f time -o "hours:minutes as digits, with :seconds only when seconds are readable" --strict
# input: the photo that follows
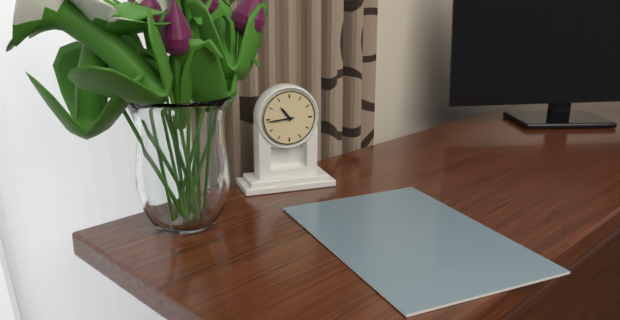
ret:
10:44
